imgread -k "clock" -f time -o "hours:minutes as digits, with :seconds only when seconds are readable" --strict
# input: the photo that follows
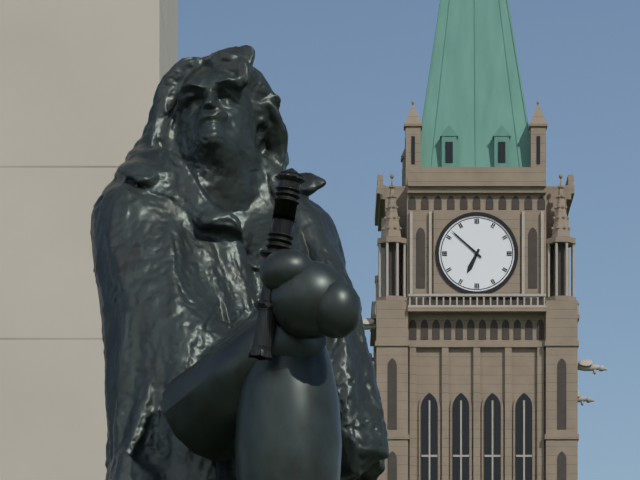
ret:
6:52
